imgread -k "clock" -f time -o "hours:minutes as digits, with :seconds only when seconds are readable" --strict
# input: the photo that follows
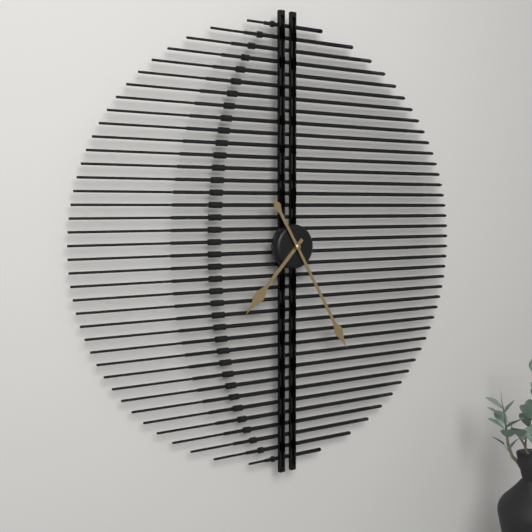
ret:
7:25
